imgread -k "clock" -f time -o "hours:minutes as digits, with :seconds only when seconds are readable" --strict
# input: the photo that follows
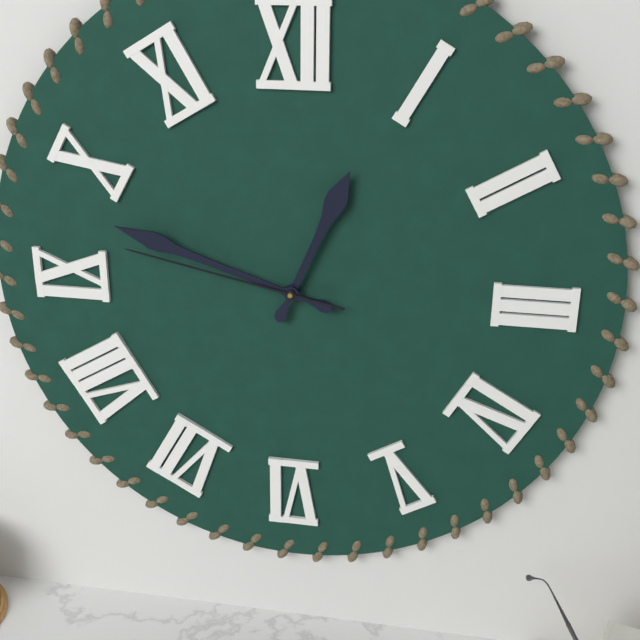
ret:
12:48:47
